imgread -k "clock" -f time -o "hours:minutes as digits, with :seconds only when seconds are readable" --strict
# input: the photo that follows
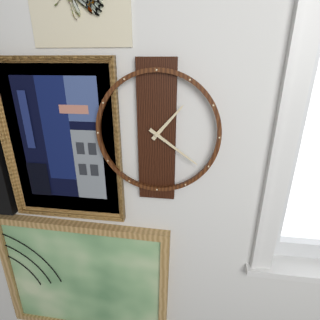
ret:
1:21
